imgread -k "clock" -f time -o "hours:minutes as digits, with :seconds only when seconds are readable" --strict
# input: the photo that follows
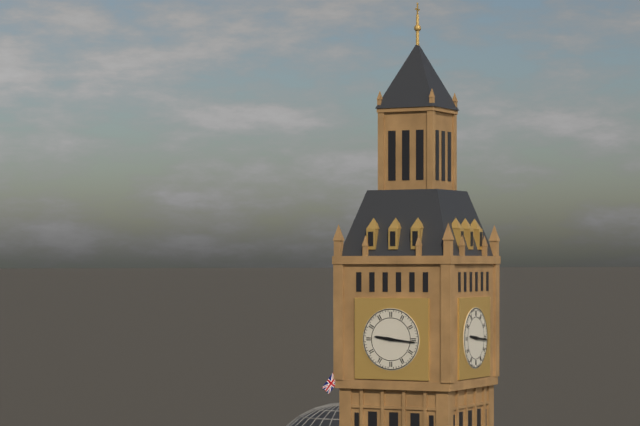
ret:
9:16
